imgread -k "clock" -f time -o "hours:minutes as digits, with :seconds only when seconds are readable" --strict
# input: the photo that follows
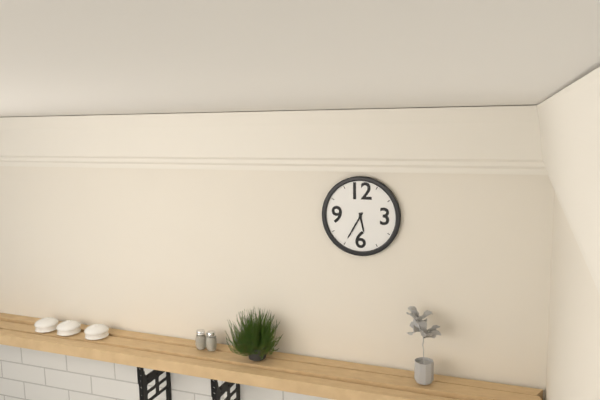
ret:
5:35
